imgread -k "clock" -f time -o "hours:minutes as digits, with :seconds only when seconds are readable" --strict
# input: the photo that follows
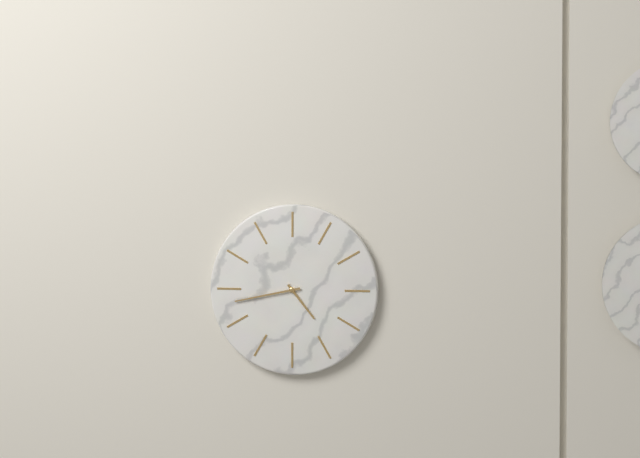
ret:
4:43
